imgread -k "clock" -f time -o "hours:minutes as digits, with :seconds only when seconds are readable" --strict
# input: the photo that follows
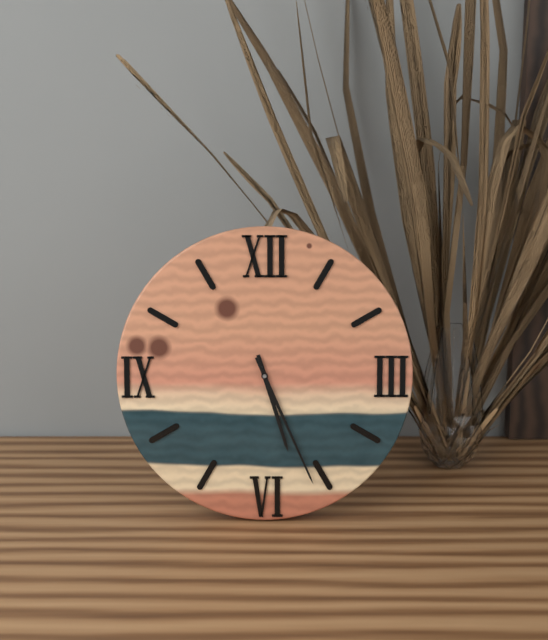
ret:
5:26
